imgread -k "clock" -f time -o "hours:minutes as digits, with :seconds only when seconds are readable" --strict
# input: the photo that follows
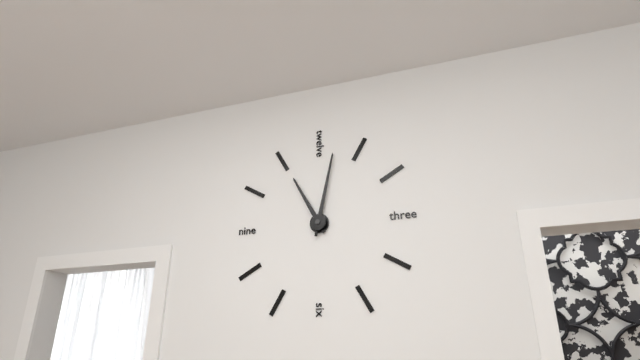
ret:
11:02
